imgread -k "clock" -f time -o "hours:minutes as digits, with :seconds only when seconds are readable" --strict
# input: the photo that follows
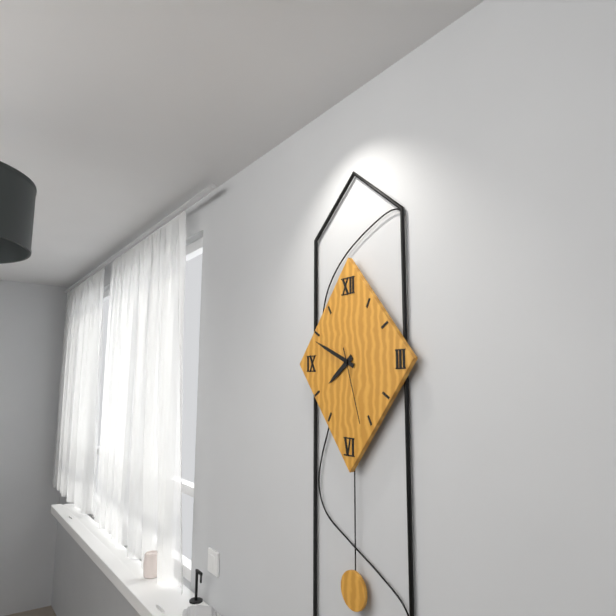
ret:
7:49:27
